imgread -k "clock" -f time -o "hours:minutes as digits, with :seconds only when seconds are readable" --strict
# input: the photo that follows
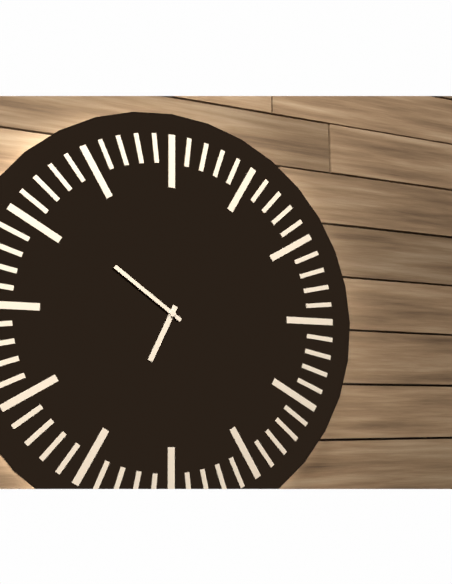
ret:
6:51
